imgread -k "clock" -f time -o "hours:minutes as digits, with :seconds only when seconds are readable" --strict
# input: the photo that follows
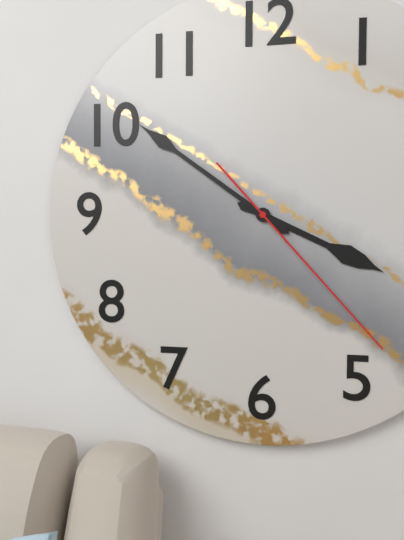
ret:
3:51:23
